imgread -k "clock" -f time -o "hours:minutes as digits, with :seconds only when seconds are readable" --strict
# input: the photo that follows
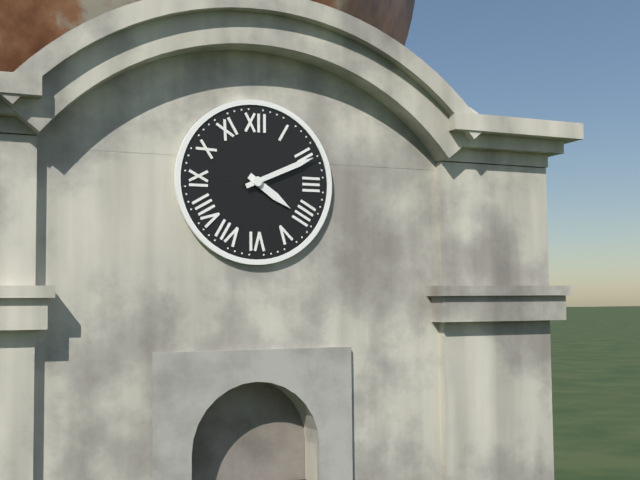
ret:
4:11
